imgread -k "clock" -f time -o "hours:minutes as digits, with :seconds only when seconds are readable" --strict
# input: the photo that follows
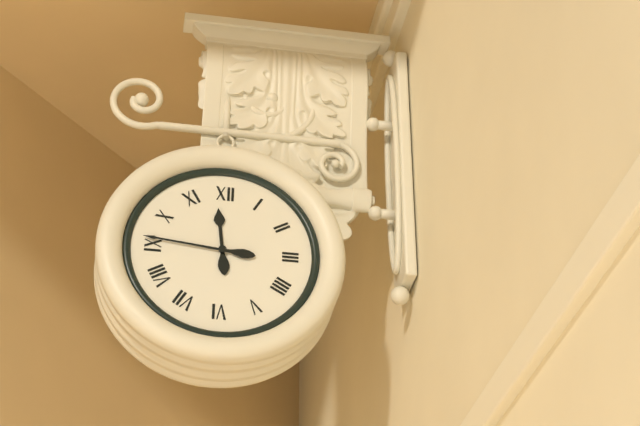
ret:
11:46
